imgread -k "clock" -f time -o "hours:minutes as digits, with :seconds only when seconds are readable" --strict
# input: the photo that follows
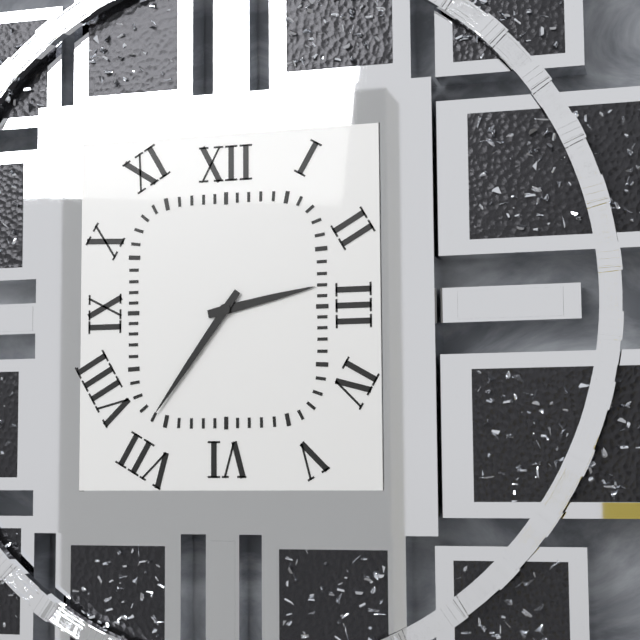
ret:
2:36
